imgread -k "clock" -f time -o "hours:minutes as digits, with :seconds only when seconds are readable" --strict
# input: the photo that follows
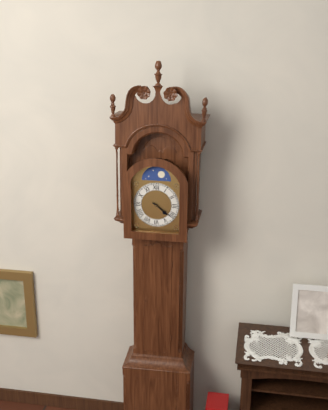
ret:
4:21
